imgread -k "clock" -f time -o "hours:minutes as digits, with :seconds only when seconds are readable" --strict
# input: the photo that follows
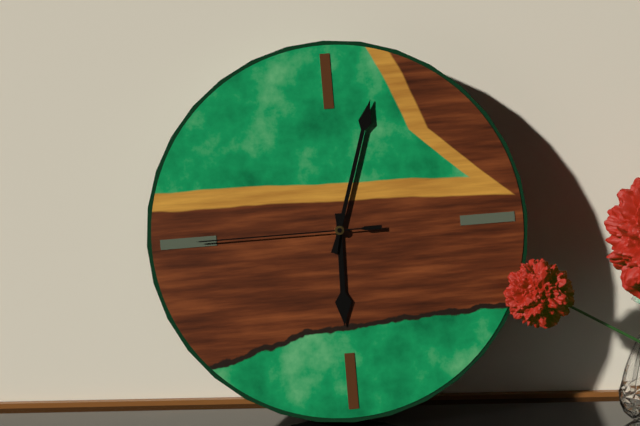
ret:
6:03:45
